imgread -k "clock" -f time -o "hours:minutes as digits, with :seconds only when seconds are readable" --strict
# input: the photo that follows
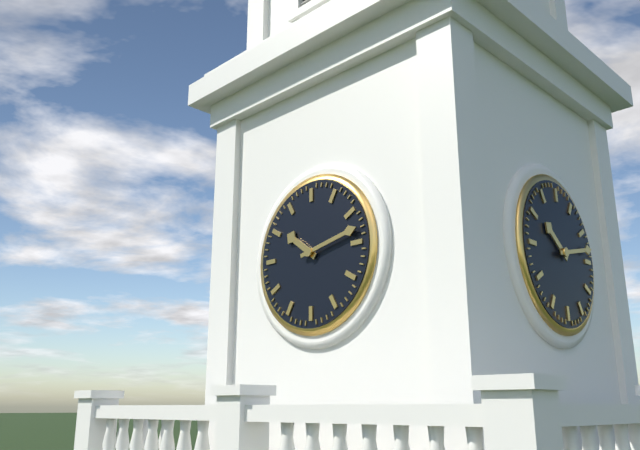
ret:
10:13
